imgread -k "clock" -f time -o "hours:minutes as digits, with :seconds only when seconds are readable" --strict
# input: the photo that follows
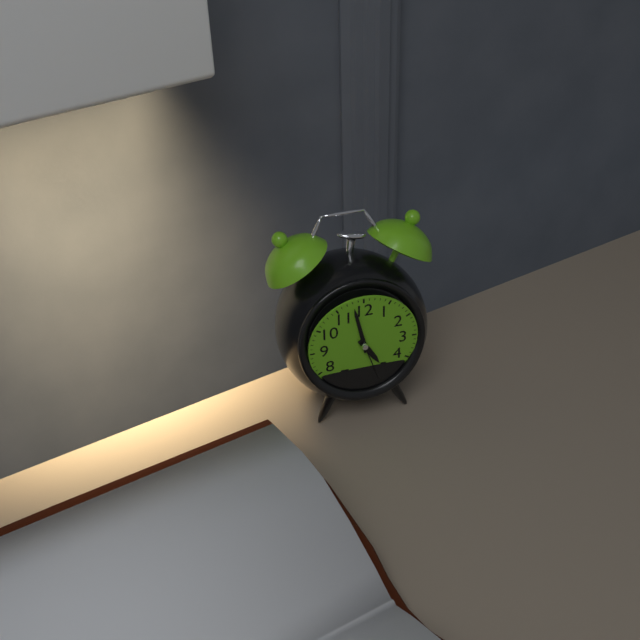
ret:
4:58
